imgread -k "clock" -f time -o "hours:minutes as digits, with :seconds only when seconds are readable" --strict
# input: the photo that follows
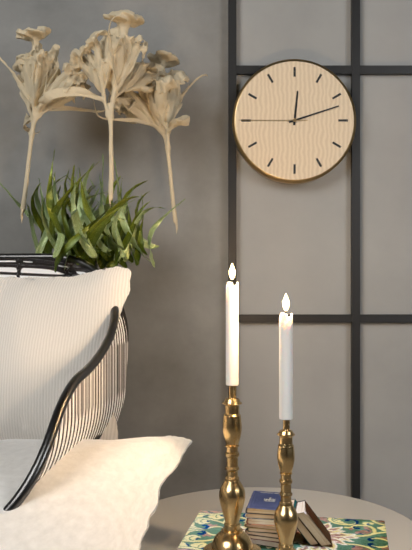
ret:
12:12:45
